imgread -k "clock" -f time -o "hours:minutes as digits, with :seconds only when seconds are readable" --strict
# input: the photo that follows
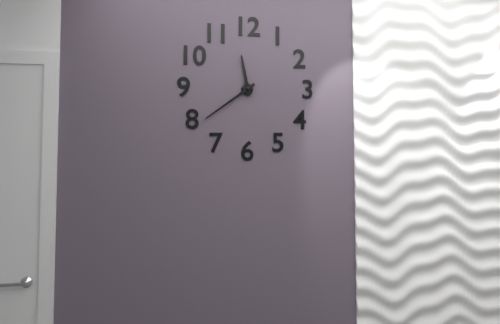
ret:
11:39
